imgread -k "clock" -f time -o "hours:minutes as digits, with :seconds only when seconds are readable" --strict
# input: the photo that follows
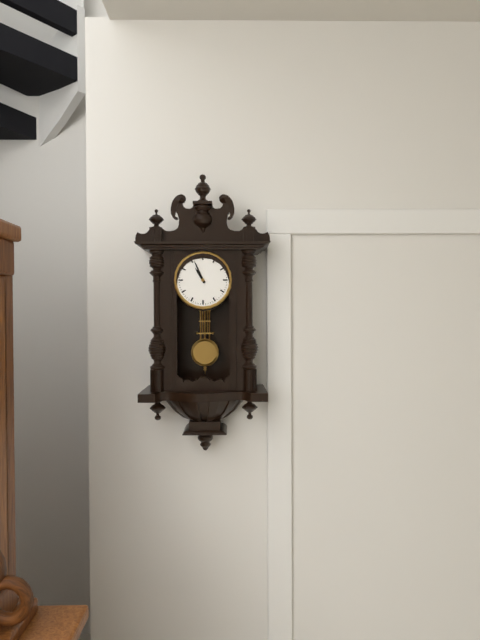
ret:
10:56
